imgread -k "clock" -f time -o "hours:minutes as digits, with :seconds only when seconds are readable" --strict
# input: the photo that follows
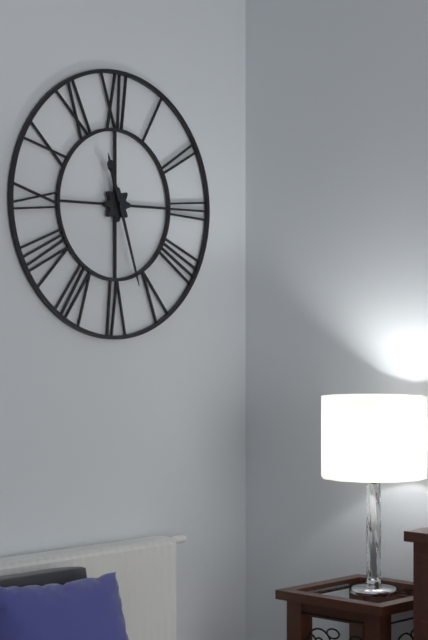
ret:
11:27
